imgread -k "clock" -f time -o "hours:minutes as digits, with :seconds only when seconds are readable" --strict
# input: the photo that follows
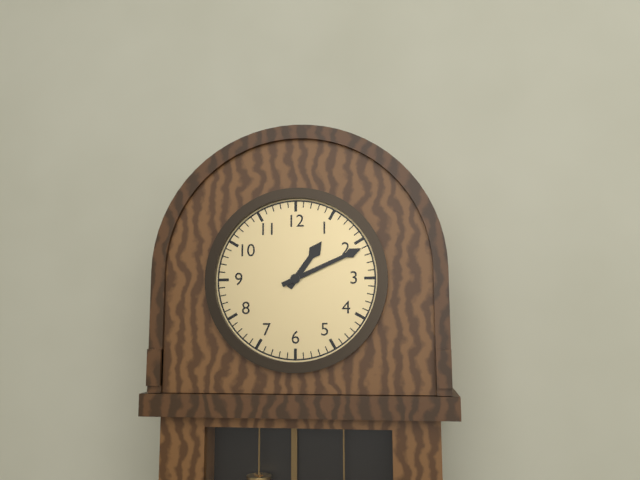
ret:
1:11
